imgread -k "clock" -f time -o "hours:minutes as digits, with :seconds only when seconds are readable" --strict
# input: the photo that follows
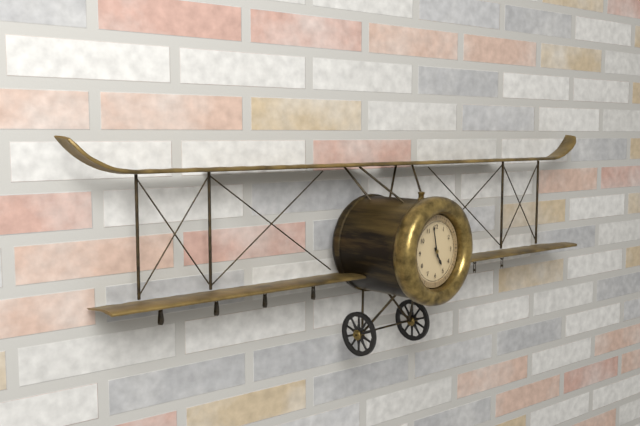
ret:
4:58
